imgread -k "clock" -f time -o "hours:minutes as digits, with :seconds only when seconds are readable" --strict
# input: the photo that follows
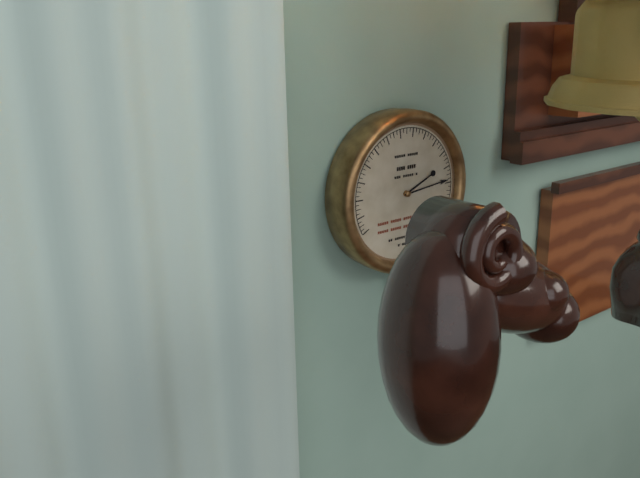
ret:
2:14
